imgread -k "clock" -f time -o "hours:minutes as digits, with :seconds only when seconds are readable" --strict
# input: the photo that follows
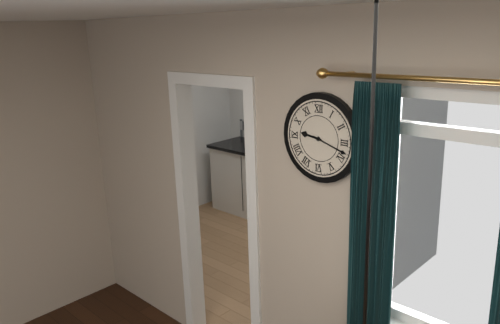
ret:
9:18
